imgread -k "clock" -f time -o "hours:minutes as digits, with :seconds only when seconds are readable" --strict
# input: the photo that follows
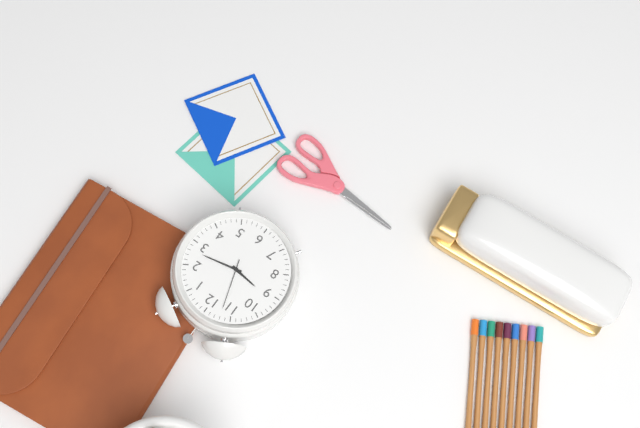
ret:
9:13:57
